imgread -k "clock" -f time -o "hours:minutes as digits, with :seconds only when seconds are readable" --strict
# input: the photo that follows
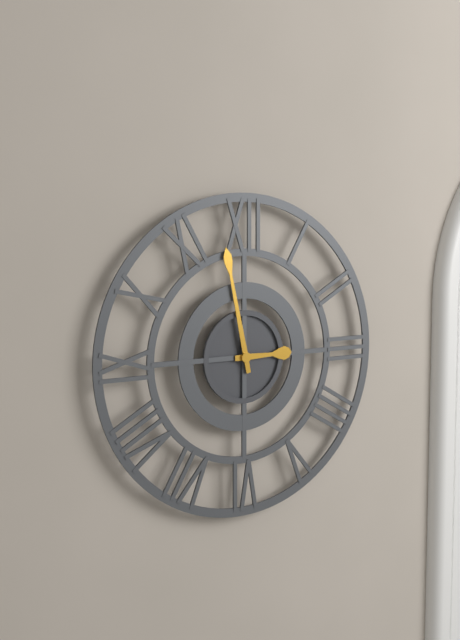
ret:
2:58
